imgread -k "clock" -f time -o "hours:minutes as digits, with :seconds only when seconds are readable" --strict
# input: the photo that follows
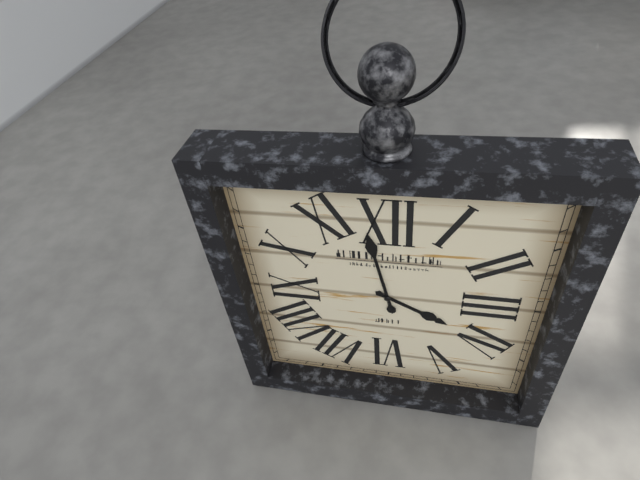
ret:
3:58
